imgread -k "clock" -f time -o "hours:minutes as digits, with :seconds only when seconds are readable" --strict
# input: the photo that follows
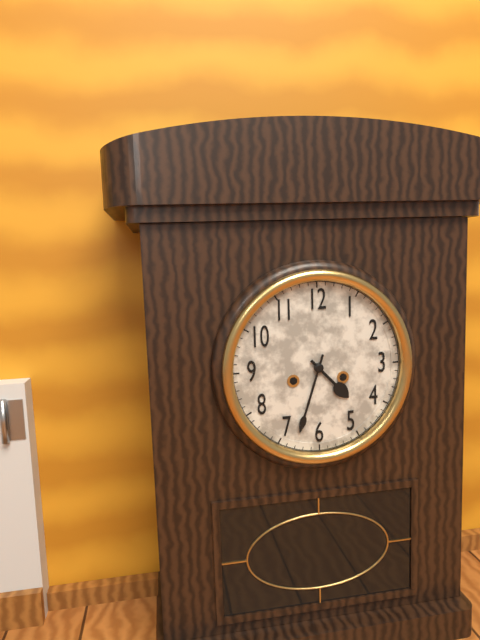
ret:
4:33
